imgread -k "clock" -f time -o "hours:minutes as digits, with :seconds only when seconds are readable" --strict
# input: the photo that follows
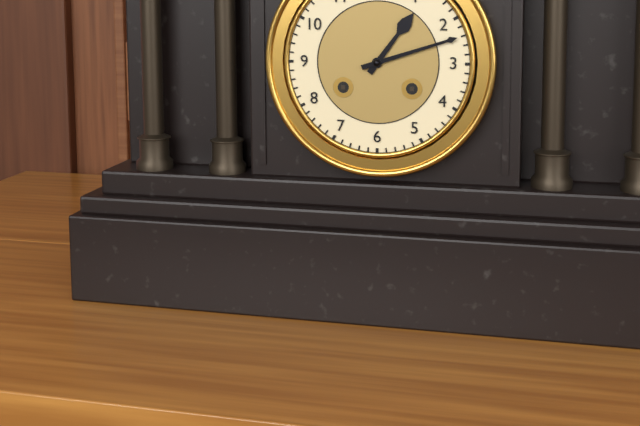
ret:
1:12
